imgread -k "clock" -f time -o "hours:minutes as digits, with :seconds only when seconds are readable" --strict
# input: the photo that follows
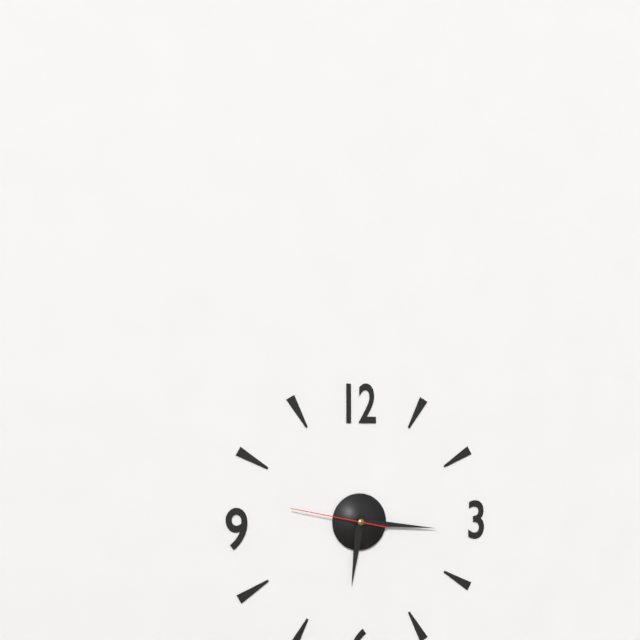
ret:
6:16:47
